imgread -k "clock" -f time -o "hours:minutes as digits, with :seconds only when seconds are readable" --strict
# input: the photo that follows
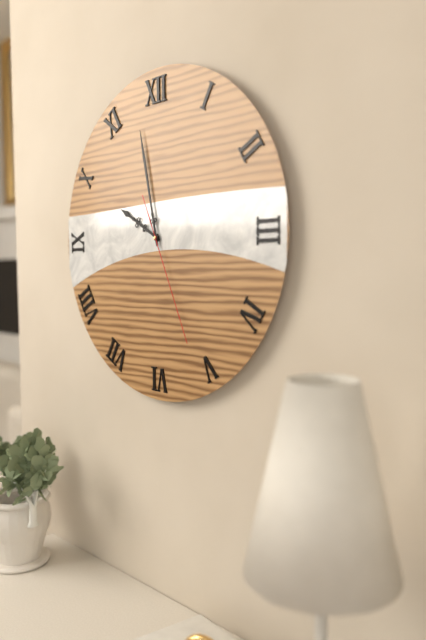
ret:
9:58:26
